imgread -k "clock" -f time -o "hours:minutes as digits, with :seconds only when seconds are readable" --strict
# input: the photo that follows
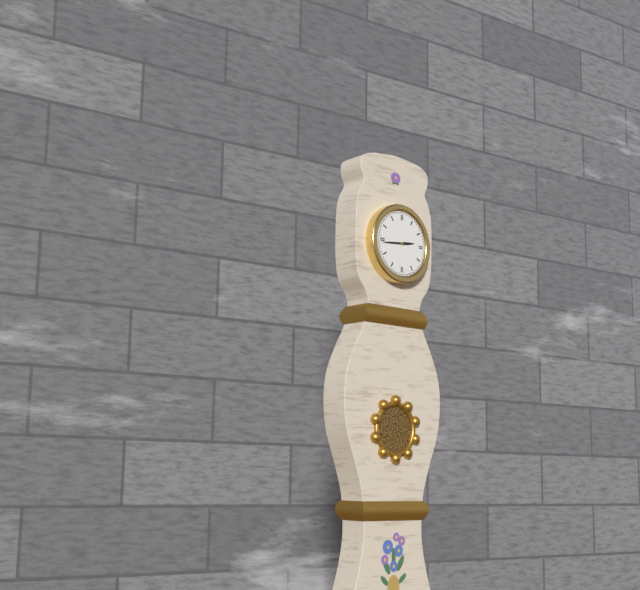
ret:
2:44
